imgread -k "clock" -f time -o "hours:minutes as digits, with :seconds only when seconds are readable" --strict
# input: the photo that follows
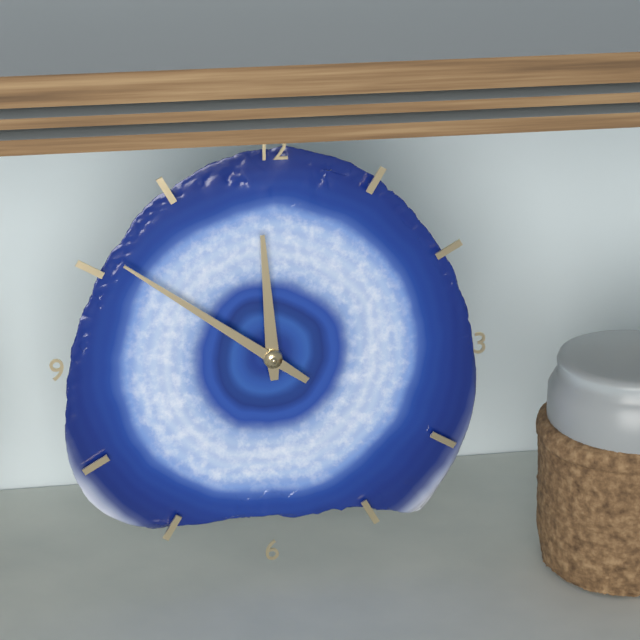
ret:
11:51
